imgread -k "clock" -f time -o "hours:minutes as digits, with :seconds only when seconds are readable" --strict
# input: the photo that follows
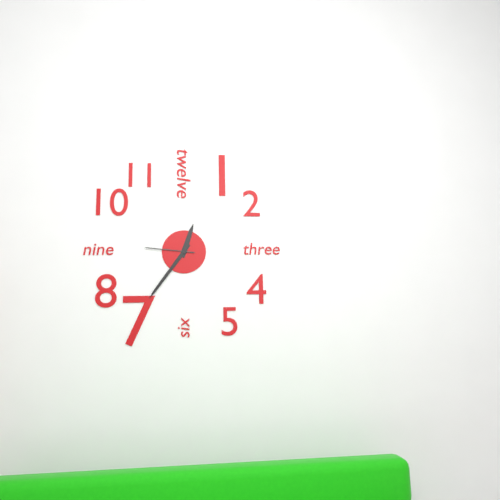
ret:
12:36:46
